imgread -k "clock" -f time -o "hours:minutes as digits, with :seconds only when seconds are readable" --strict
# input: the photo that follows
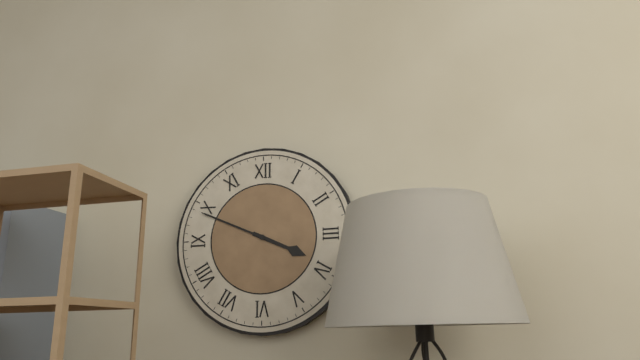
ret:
3:49
